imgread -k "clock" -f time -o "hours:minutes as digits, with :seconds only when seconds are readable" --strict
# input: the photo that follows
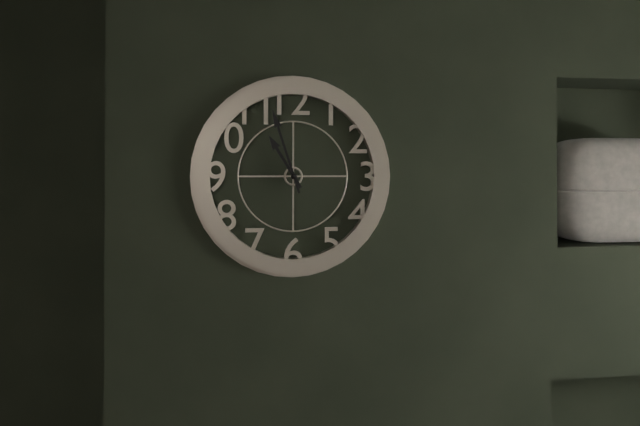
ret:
10:57
